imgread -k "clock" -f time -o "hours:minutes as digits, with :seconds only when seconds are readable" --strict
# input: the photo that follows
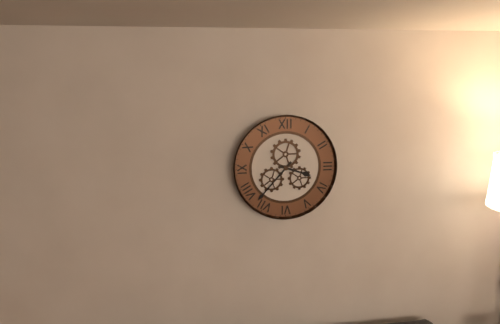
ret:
3:37
